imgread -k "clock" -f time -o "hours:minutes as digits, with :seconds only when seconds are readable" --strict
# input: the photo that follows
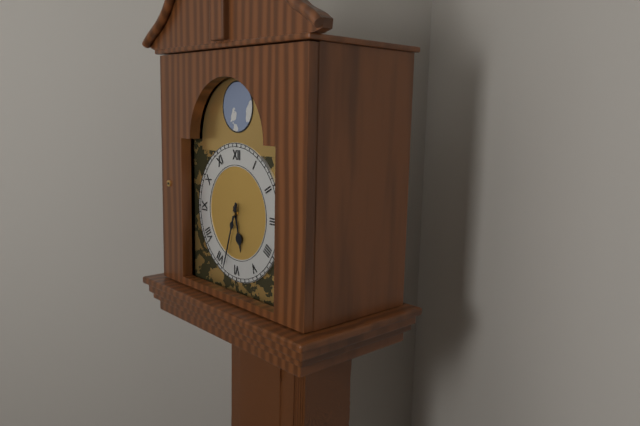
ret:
5:33
